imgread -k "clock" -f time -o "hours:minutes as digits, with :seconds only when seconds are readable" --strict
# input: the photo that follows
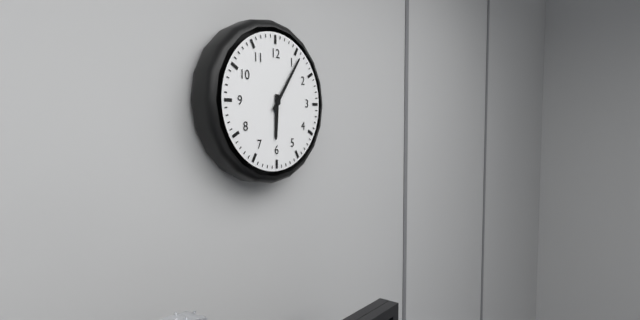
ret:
6:06
